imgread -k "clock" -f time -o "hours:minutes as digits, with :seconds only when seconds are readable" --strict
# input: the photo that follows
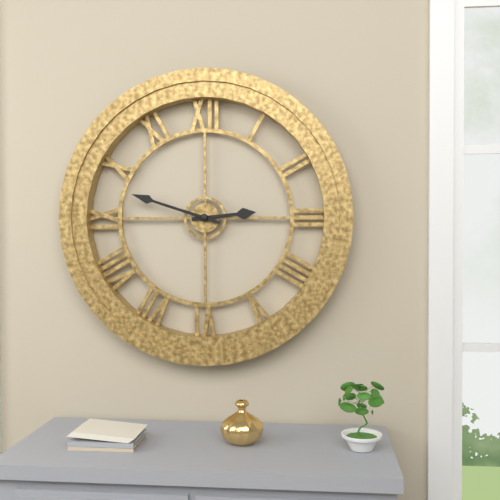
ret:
2:48
